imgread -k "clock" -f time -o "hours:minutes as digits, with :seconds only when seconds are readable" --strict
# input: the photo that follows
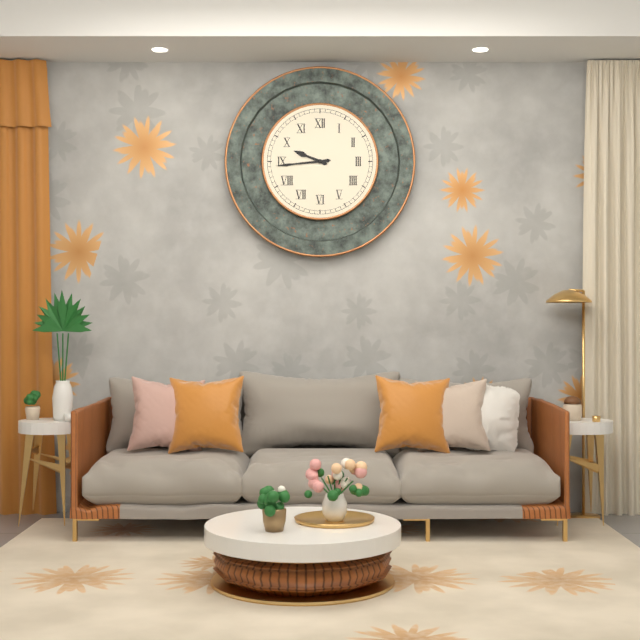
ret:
9:44
